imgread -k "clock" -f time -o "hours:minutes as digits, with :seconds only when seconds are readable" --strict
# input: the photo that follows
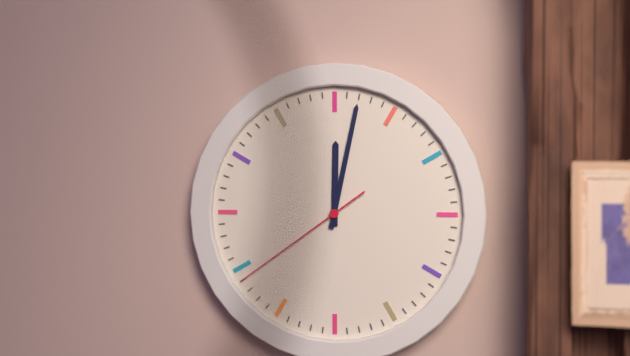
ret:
12:02:39
